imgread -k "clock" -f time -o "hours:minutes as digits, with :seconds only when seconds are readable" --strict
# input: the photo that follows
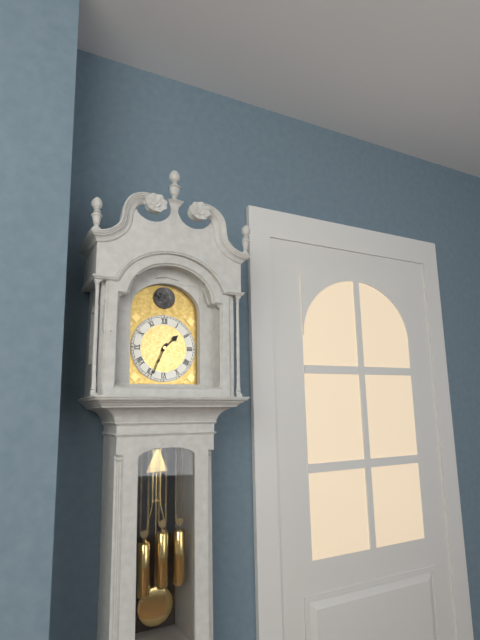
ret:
1:34
